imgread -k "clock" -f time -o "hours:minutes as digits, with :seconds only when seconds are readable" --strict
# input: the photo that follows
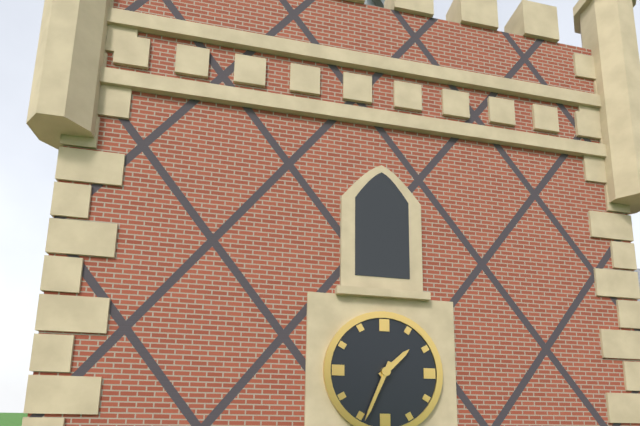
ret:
1:34
